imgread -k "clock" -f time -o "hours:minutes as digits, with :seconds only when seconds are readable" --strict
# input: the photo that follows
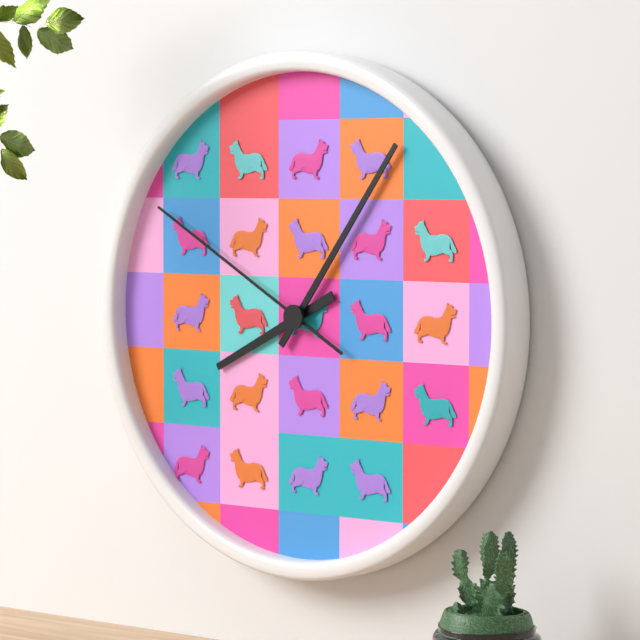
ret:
8:06:50
